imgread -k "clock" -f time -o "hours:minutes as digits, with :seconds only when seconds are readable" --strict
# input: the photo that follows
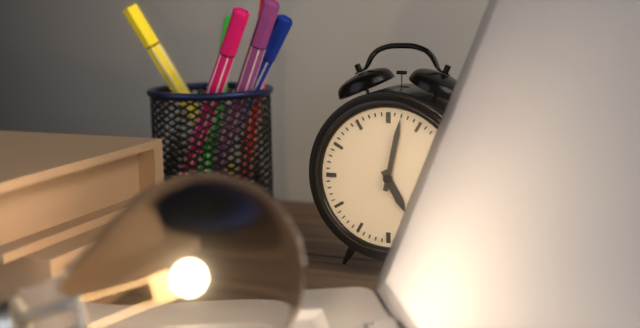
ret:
5:02
